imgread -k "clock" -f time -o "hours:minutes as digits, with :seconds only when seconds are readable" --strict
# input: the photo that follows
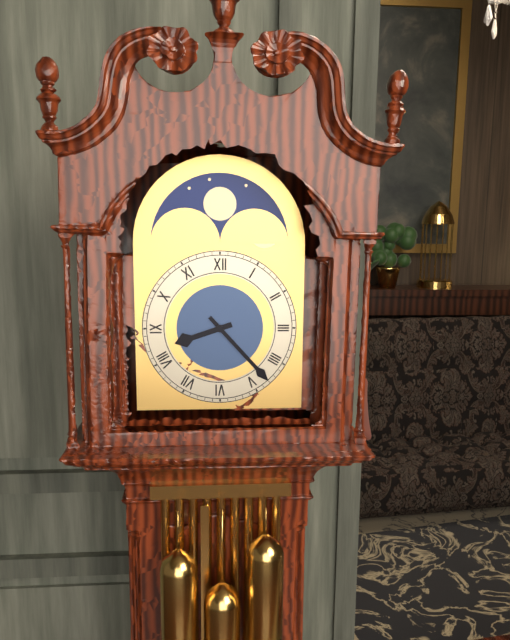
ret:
8:23
